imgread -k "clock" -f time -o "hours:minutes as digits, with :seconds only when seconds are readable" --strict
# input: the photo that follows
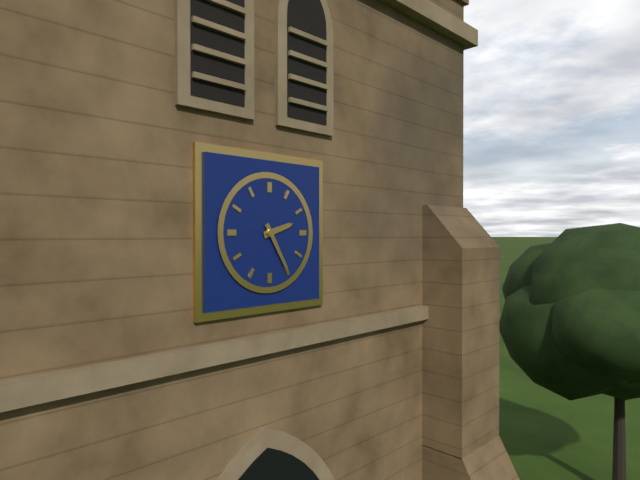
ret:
2:25
